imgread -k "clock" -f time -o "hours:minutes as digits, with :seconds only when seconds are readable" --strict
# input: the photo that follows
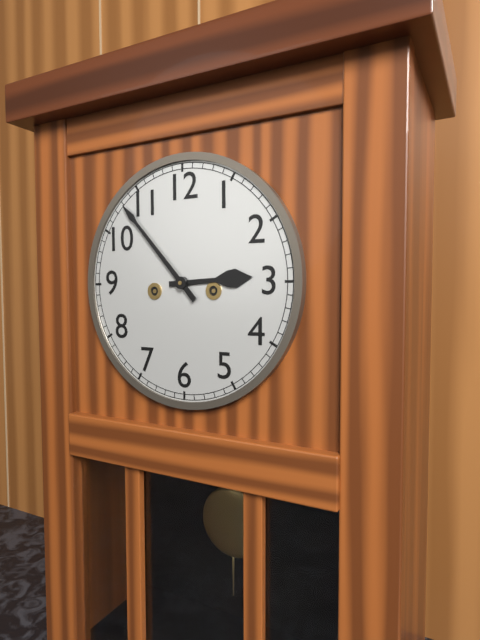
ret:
2:53
